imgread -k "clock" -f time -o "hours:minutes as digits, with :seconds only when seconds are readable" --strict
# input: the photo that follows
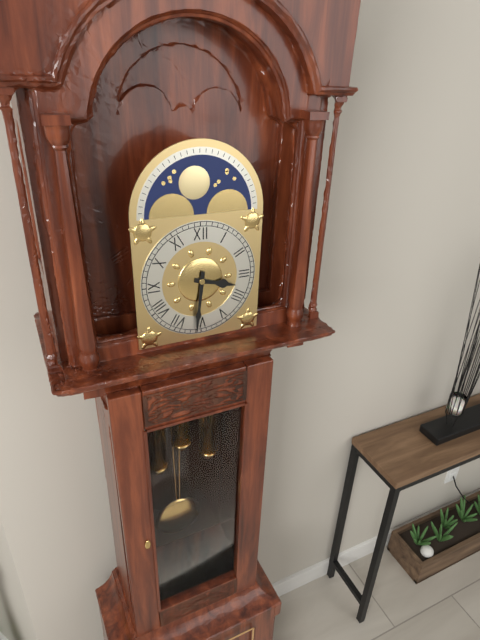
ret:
3:31
